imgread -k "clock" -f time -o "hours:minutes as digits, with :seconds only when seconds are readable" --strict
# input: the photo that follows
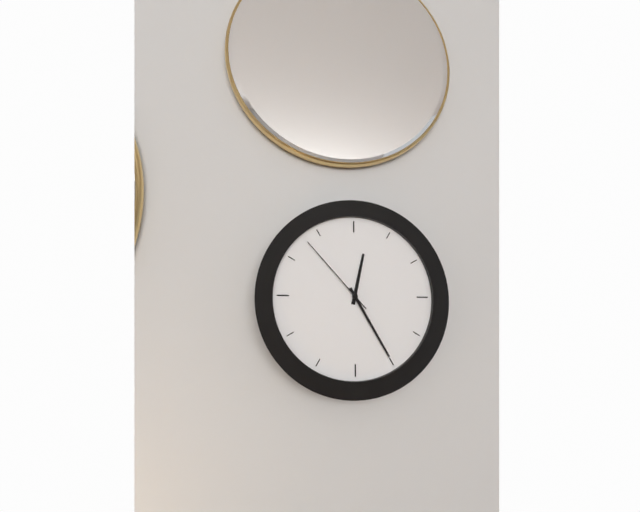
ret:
12:25:53
